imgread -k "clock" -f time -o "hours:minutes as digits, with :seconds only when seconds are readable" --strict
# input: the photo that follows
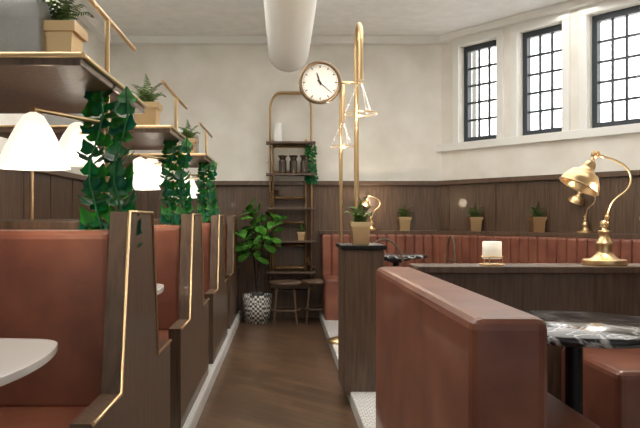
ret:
11:22
